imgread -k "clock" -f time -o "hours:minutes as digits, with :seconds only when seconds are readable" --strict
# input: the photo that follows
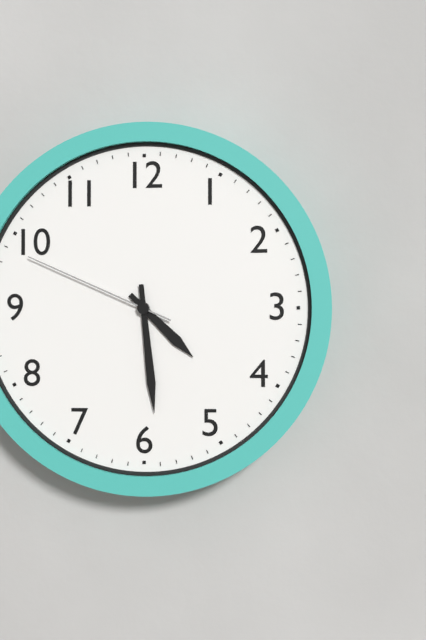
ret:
4:29:49
